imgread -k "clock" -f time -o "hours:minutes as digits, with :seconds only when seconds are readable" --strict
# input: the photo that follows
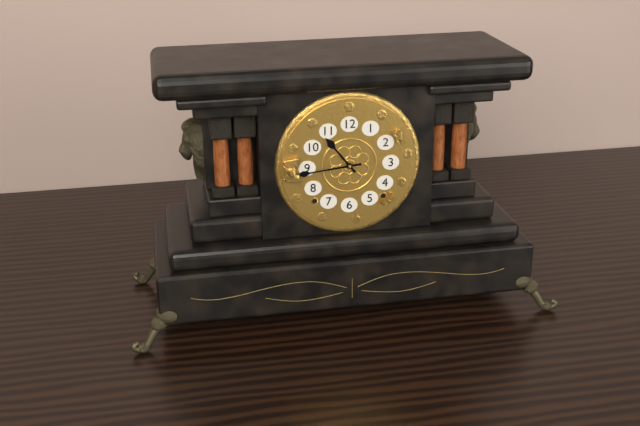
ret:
10:44
